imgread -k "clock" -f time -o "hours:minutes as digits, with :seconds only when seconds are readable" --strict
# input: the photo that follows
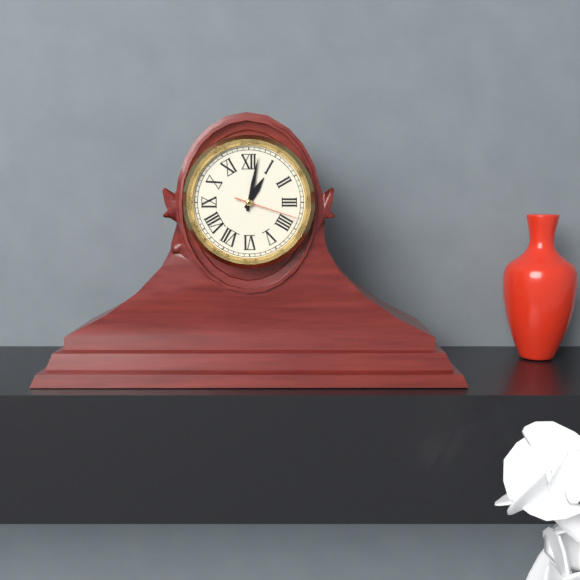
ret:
1:02:18
